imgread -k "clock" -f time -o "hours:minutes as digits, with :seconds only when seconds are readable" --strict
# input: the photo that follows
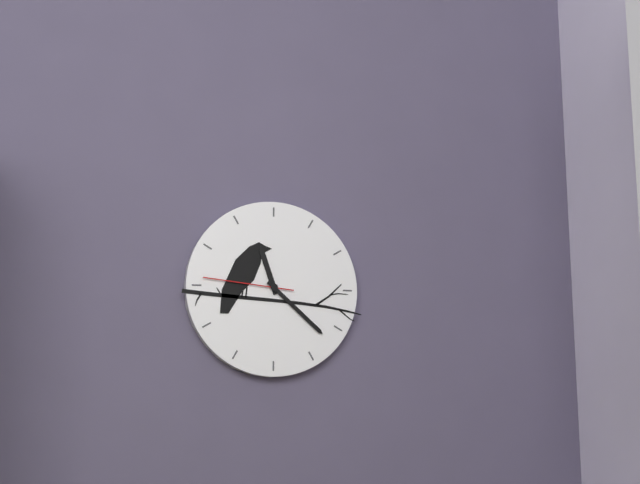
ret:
11:22:46
